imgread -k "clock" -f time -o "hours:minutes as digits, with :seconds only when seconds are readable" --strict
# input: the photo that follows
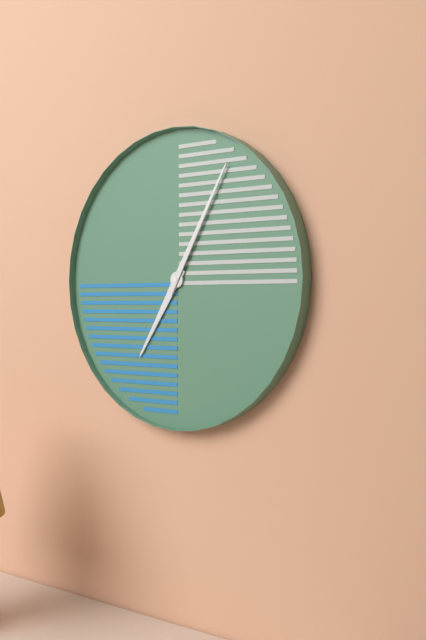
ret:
7:05
